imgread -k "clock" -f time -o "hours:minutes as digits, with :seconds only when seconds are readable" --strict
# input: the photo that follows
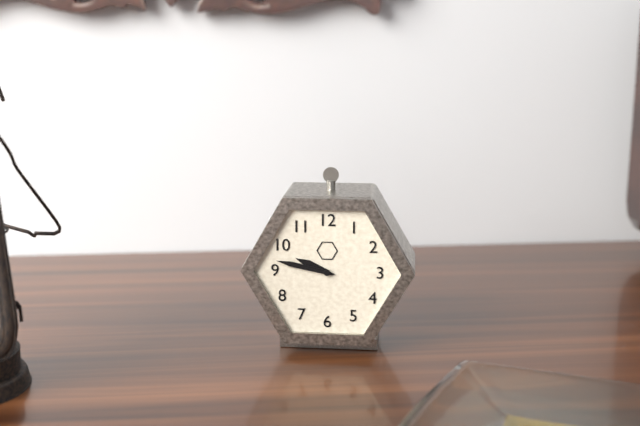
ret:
9:47
